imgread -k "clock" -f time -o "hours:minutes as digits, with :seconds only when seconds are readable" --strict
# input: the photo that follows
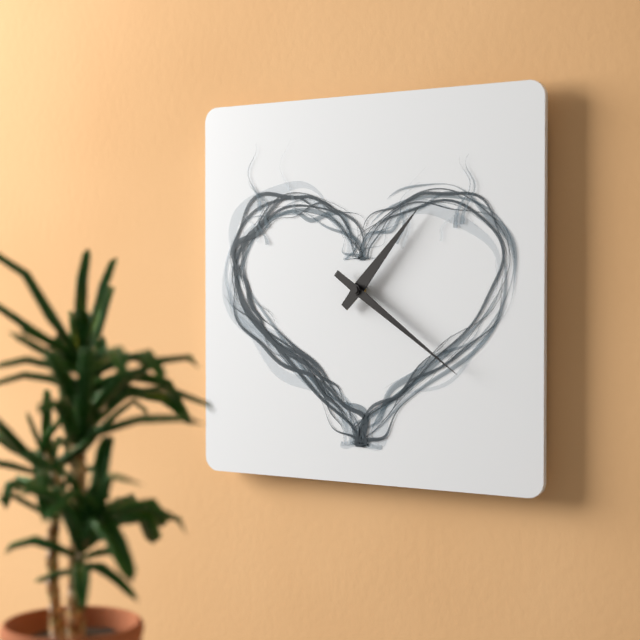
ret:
1:21
